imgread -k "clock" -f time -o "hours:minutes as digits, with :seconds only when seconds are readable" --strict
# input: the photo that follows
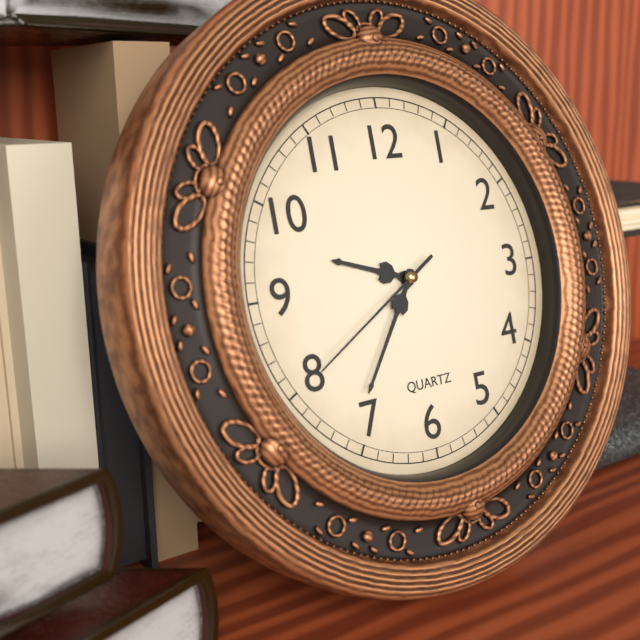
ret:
9:36:40
